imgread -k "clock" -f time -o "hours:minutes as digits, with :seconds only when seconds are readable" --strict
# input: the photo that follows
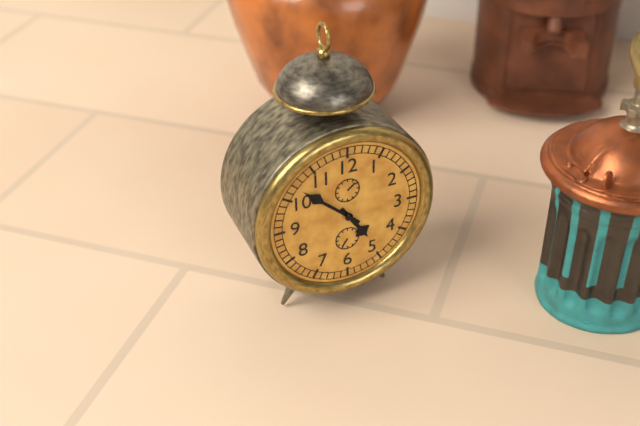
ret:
4:52
